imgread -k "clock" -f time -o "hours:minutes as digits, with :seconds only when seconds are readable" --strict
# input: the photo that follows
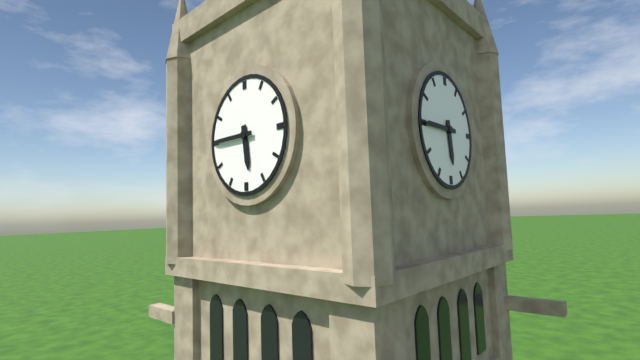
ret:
5:45
